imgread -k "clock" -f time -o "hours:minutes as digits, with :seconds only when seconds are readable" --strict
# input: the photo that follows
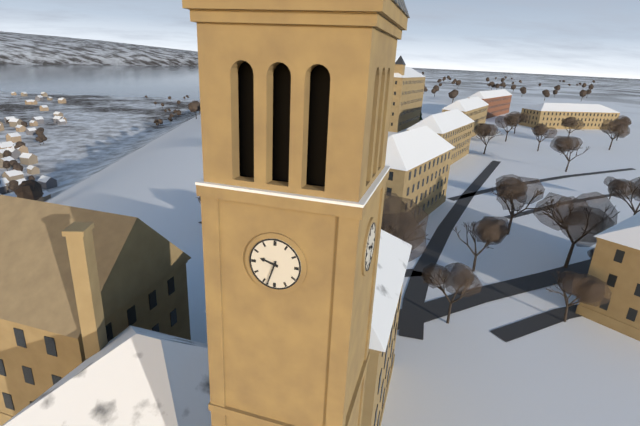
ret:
9:33
